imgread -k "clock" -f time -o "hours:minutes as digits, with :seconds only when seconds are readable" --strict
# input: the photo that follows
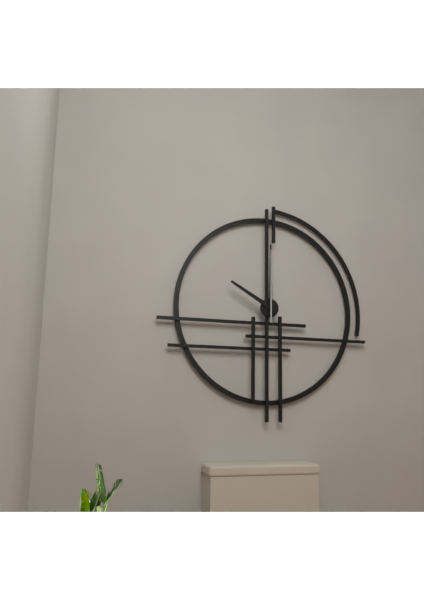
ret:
10:00:00
